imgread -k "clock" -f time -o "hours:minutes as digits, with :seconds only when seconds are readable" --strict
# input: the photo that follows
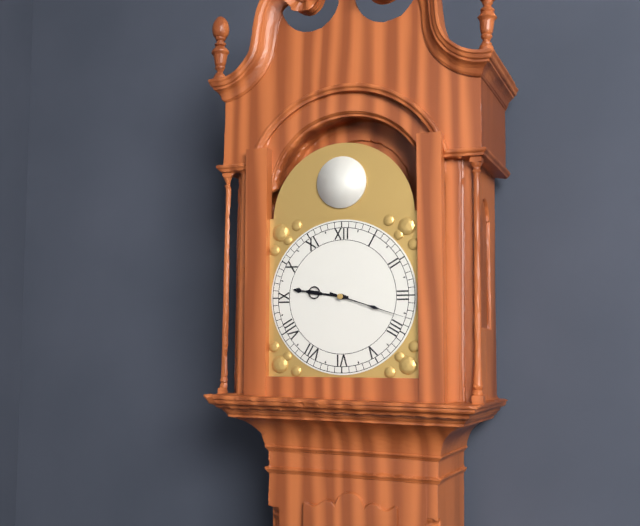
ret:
9:18
